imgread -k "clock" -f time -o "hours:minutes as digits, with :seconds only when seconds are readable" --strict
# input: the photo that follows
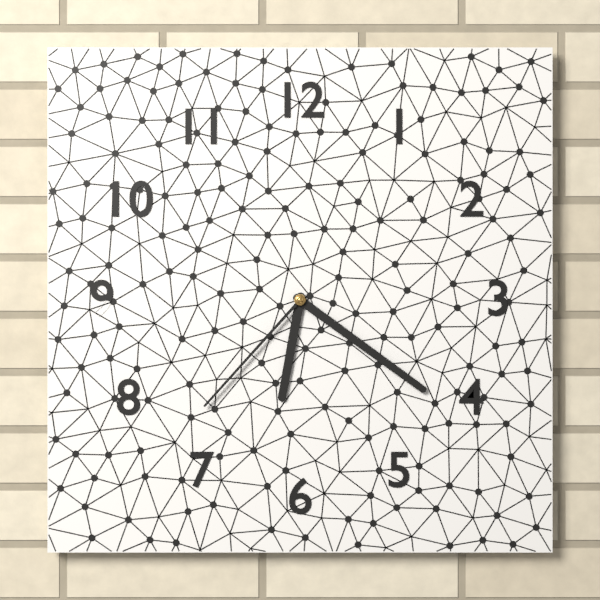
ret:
6:21:37
